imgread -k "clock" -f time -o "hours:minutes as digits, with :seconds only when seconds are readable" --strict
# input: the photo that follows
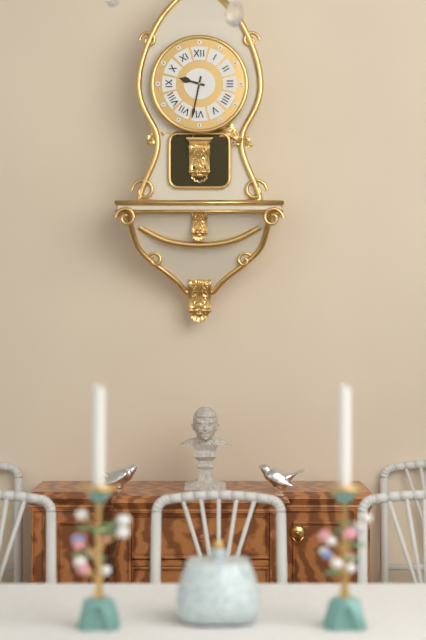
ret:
9:32
